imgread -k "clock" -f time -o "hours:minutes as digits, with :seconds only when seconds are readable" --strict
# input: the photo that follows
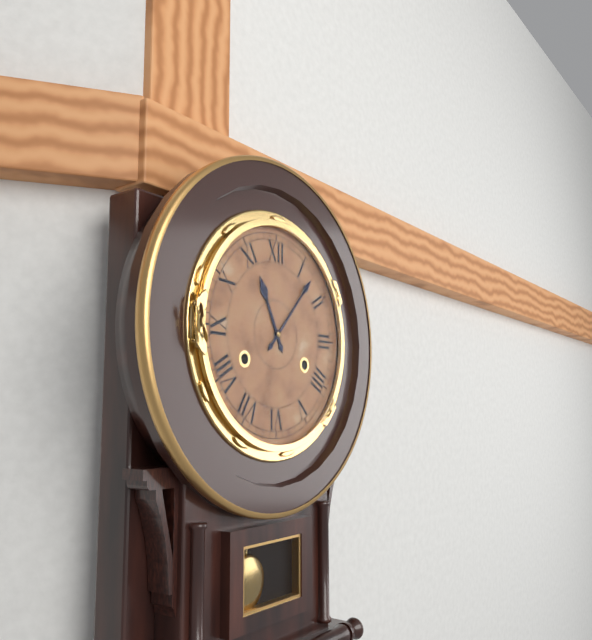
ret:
11:07
